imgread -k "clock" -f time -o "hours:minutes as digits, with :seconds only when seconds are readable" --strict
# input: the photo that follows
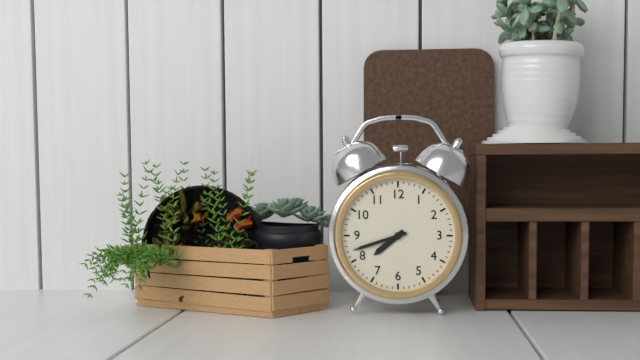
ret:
7:42
